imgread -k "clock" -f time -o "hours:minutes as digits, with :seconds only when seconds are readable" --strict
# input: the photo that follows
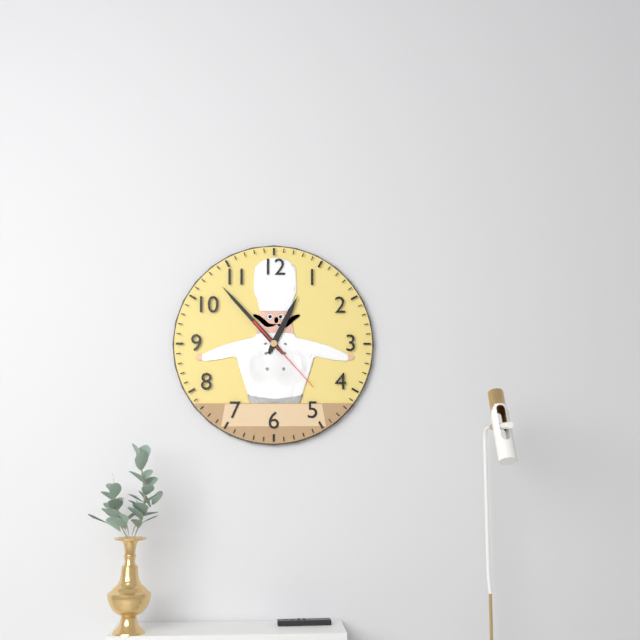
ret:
12:53:23
